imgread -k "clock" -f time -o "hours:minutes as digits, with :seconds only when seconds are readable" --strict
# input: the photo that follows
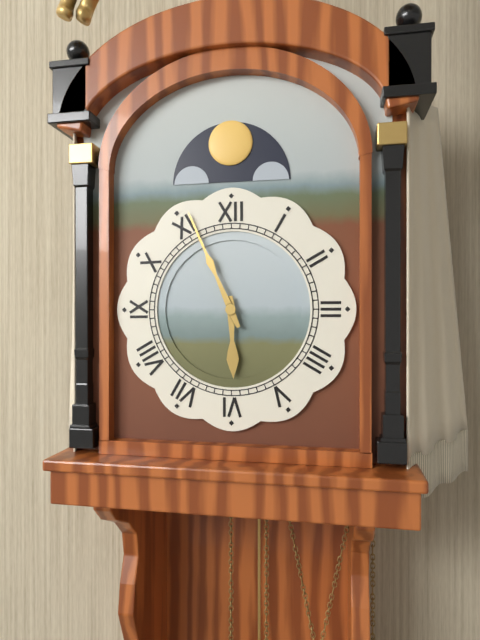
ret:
5:56
